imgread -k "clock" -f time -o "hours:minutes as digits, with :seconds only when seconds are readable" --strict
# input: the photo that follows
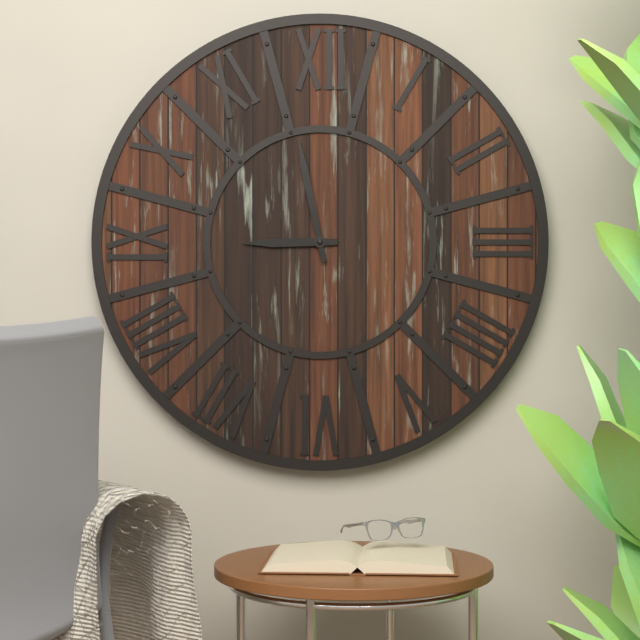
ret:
8:58
